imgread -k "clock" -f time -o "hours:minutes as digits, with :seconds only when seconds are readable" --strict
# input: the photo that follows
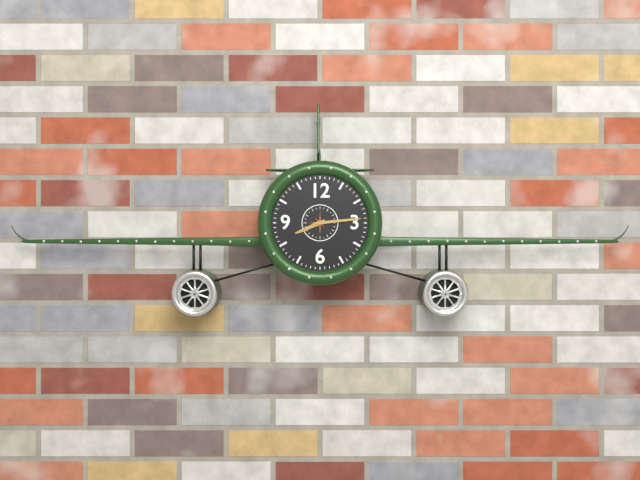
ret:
8:14
